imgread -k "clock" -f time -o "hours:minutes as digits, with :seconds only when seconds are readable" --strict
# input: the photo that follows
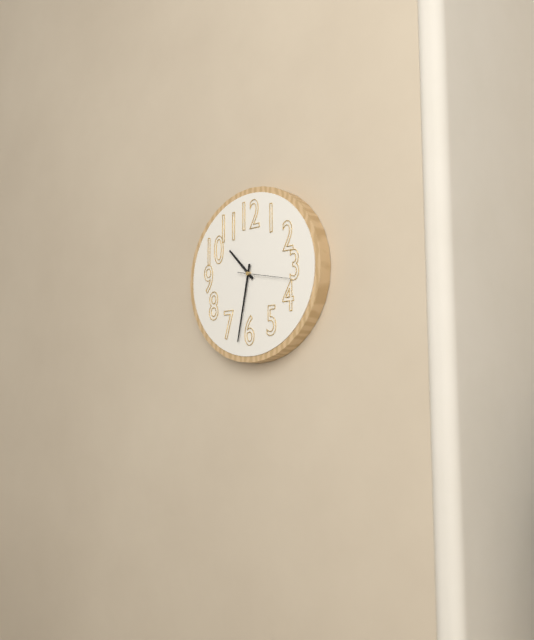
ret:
10:32:17
